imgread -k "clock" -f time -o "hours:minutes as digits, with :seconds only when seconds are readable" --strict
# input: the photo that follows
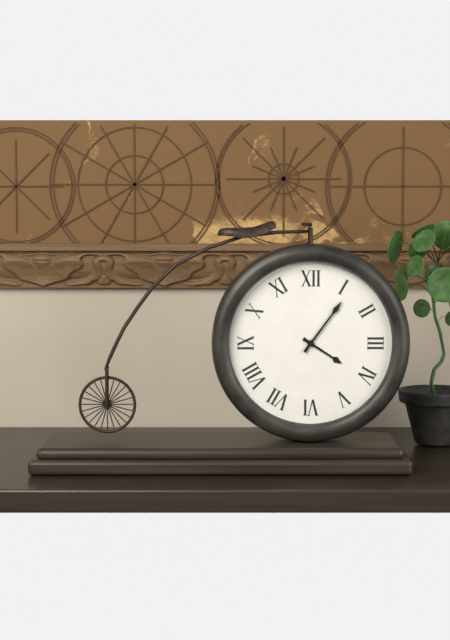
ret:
4:06
